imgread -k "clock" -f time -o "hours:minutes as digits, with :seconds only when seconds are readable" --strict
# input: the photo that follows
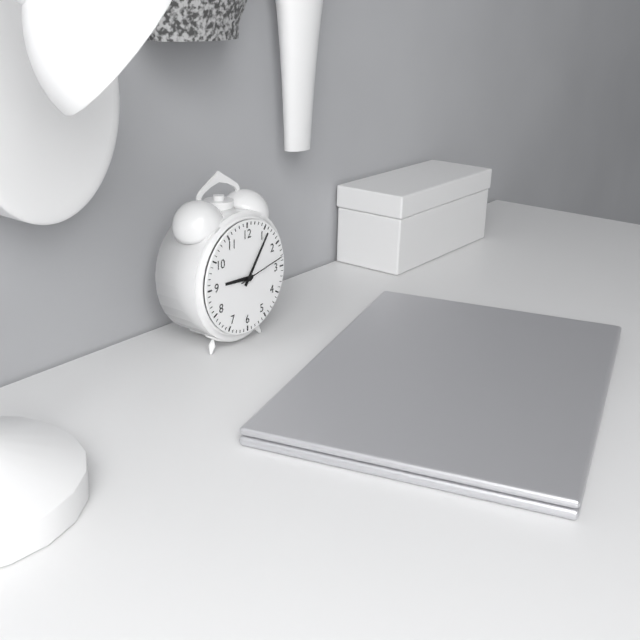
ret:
9:06
